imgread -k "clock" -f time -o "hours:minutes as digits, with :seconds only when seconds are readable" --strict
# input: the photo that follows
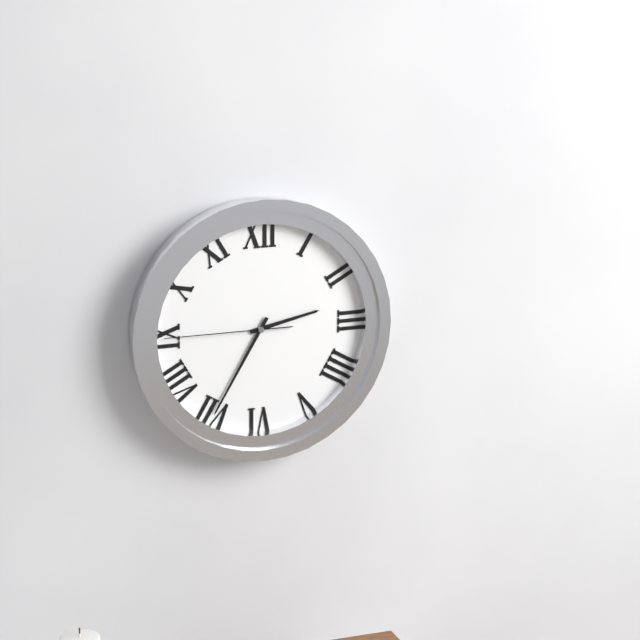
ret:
2:35:45
